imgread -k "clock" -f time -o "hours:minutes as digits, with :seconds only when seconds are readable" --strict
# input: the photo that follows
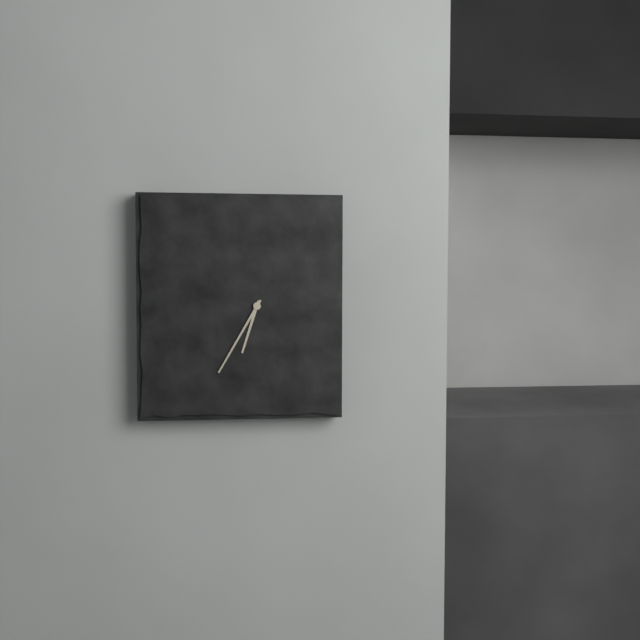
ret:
6:35
